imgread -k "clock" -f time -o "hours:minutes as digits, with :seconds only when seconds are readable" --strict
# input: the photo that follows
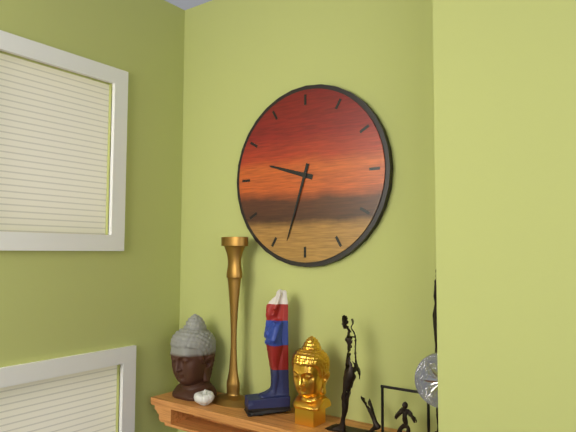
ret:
9:33
